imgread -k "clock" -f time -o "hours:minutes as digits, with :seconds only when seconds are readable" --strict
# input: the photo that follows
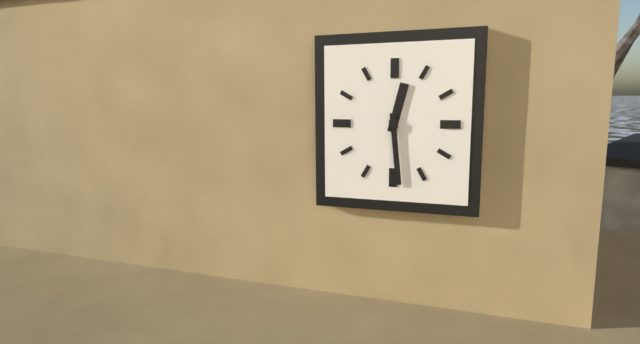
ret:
12:29
